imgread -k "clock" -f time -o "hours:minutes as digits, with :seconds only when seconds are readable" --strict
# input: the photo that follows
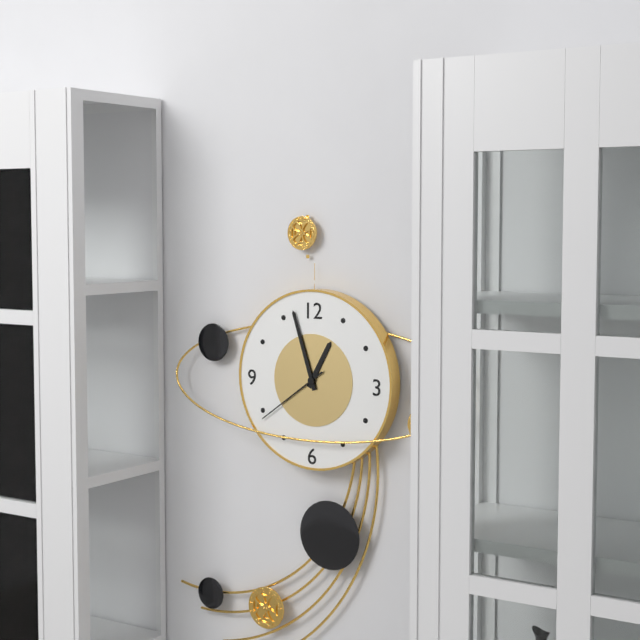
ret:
12:57:39
